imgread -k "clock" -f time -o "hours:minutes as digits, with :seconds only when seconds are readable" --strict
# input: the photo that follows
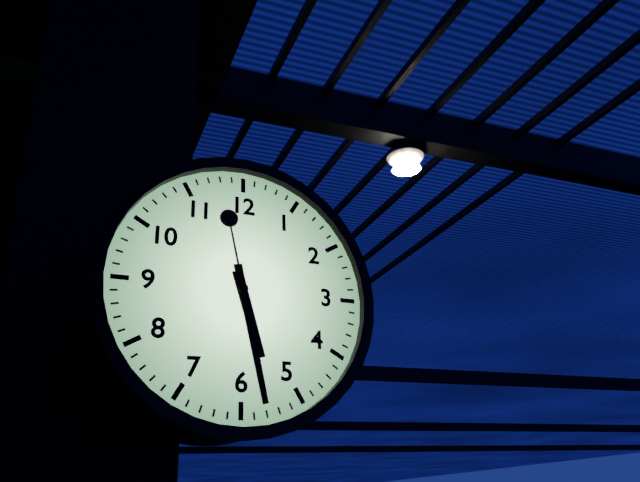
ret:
5:28:58
